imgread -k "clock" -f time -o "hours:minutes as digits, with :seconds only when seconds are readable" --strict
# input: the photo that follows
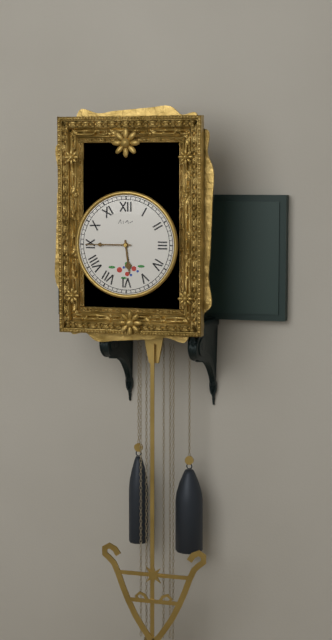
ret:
5:45
